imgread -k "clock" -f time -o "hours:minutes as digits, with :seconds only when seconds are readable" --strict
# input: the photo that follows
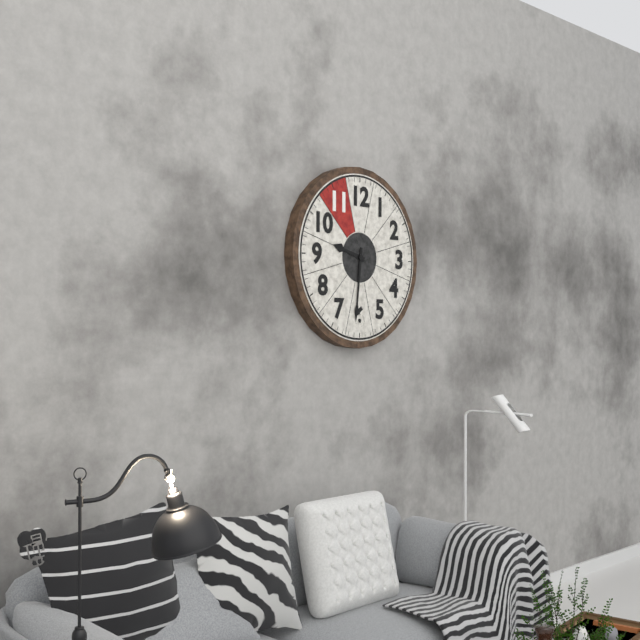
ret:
9:31
